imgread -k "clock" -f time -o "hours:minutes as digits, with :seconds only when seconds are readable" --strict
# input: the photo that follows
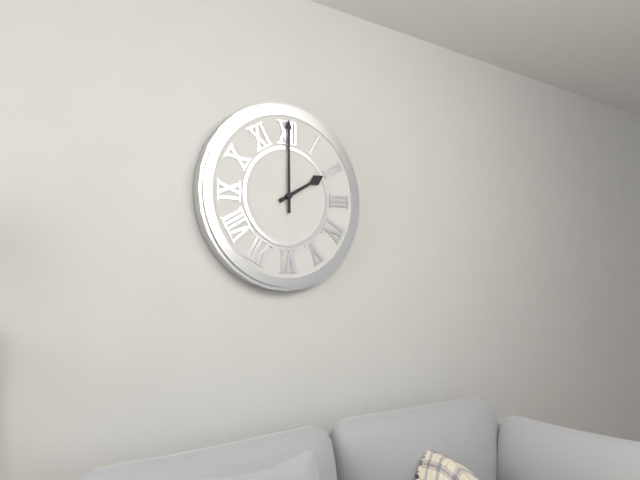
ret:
2:00
